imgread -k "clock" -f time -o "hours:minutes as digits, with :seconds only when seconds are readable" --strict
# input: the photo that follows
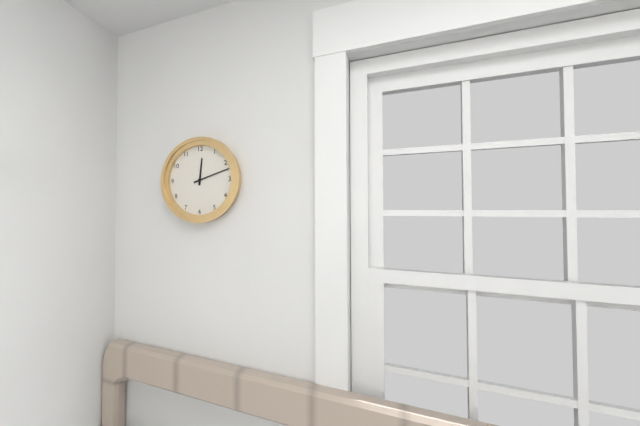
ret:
12:12
